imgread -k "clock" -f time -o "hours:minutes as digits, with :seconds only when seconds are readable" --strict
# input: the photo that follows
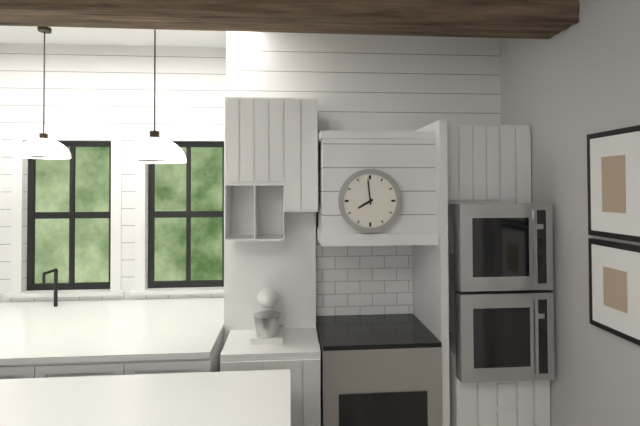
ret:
7:59
